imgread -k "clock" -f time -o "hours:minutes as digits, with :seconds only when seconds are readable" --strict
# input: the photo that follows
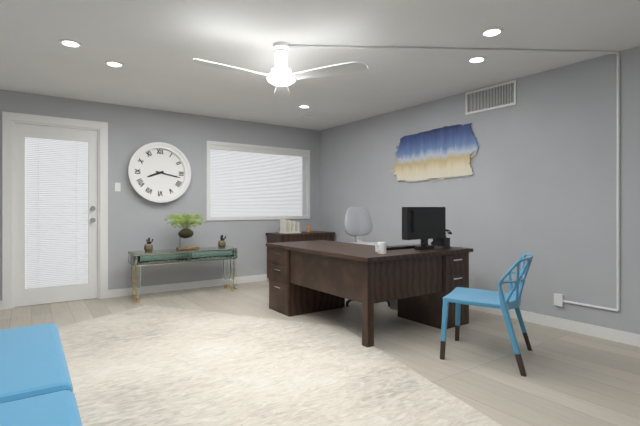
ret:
8:17
